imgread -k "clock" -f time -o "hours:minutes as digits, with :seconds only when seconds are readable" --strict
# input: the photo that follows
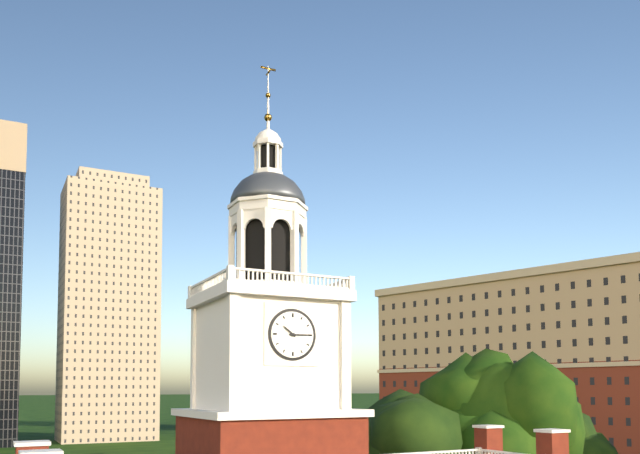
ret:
10:15
